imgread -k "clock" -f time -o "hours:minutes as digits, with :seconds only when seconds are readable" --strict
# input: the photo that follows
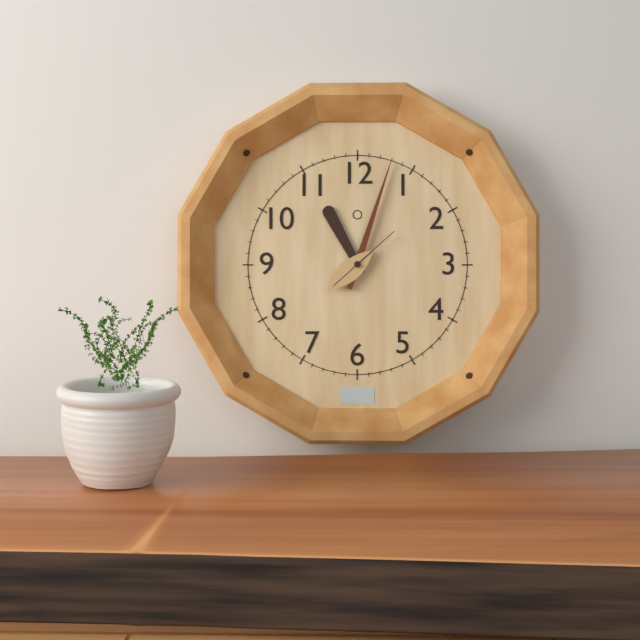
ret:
11:03:08
